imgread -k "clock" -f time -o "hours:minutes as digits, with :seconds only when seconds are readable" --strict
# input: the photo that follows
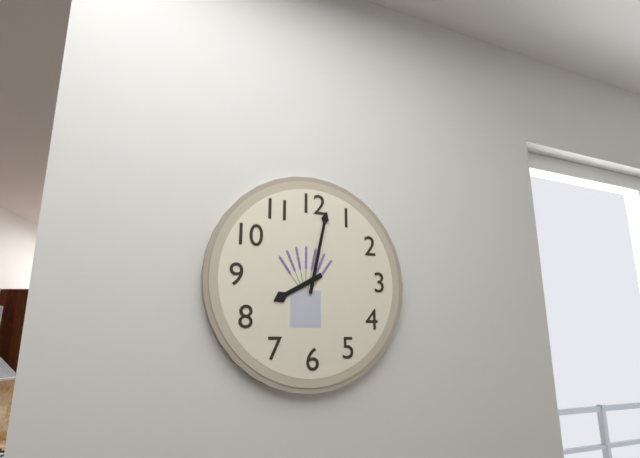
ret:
8:02
